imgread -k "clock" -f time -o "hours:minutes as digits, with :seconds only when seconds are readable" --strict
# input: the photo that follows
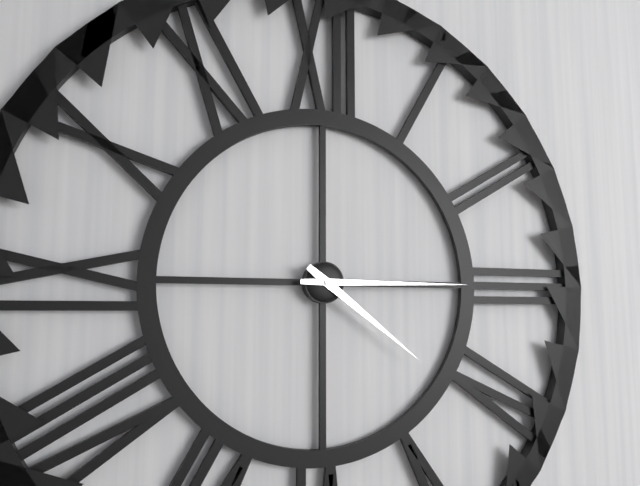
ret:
4:15
